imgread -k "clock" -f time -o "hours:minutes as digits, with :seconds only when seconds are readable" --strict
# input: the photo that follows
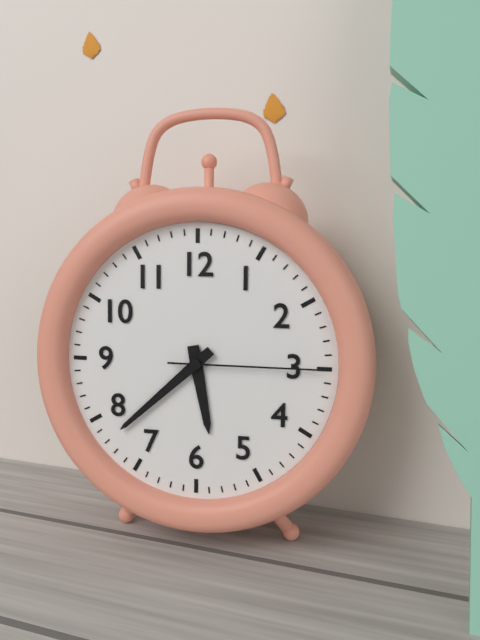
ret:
5:38:15
